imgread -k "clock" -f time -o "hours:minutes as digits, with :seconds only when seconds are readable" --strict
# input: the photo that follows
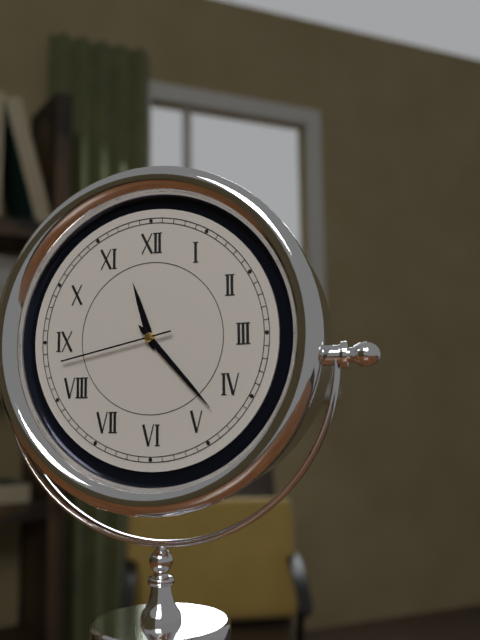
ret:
11:23:43
